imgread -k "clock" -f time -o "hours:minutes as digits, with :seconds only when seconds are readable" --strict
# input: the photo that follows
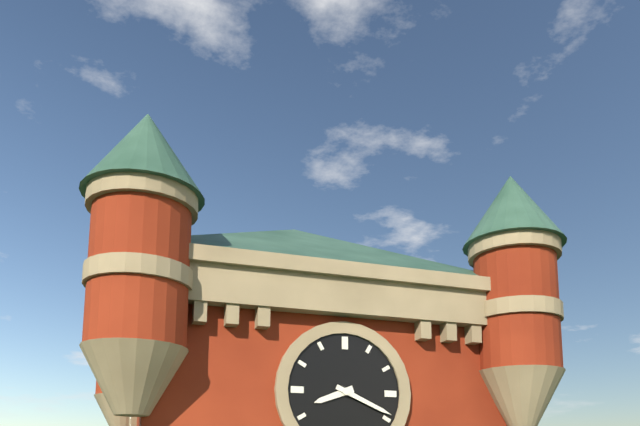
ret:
8:19
